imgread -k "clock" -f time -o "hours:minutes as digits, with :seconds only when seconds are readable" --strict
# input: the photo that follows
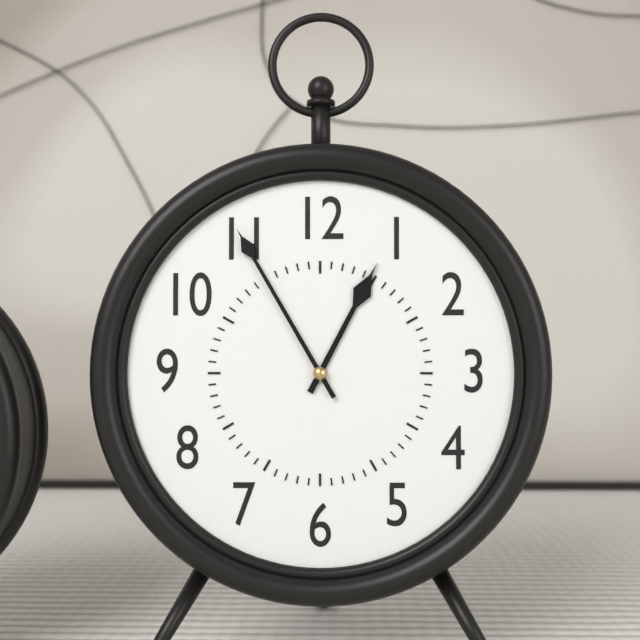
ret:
12:55
